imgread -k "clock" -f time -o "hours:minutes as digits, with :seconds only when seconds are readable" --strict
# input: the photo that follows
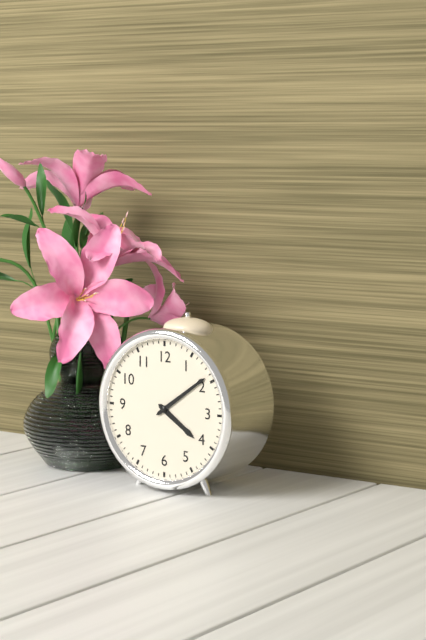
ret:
4:09
